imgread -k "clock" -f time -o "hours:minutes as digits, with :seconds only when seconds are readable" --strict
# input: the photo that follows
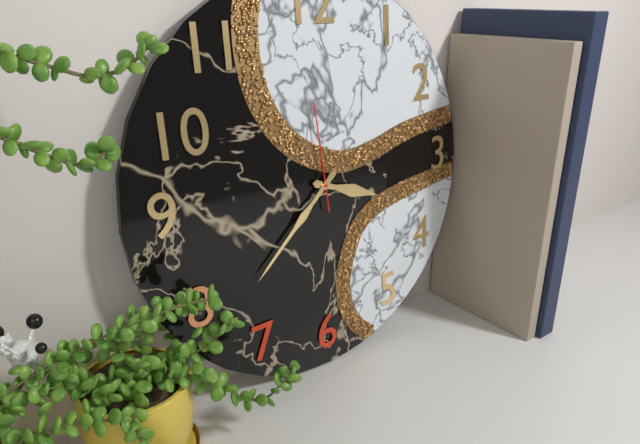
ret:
3:38:59
